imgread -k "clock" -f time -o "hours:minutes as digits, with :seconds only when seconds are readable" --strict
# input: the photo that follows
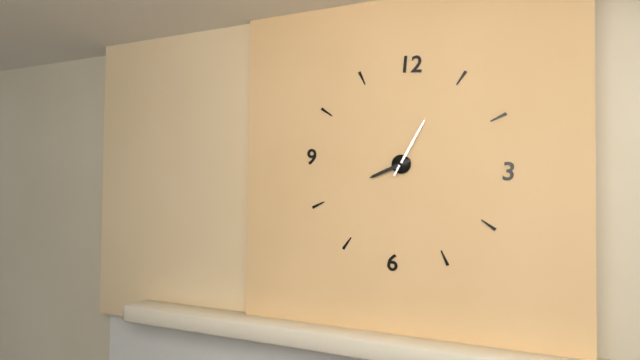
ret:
8:04
